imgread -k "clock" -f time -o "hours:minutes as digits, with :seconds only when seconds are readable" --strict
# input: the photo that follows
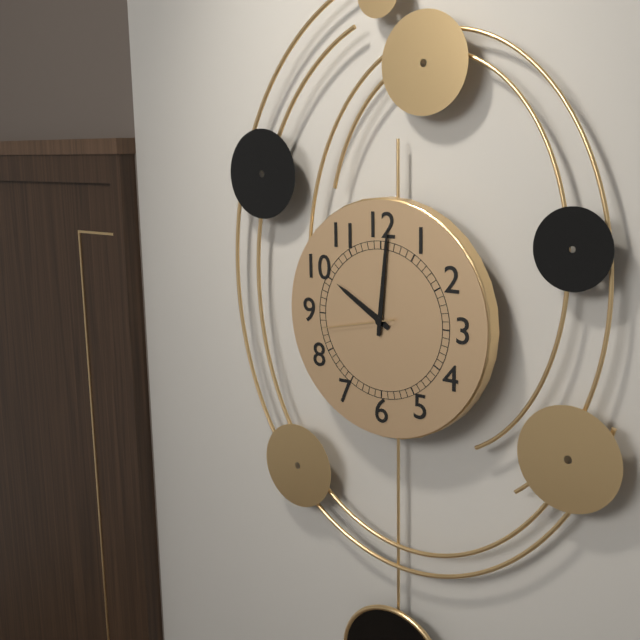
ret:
10:01:43
